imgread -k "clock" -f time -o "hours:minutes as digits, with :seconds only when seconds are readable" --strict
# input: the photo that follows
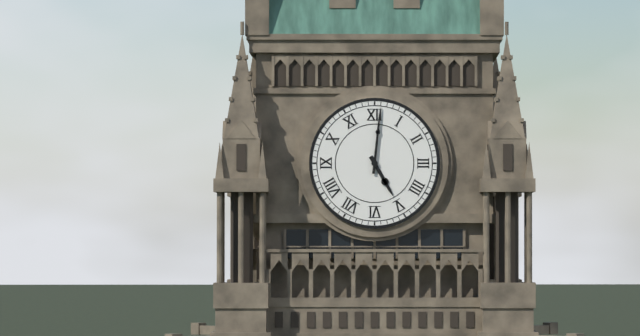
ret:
5:01
